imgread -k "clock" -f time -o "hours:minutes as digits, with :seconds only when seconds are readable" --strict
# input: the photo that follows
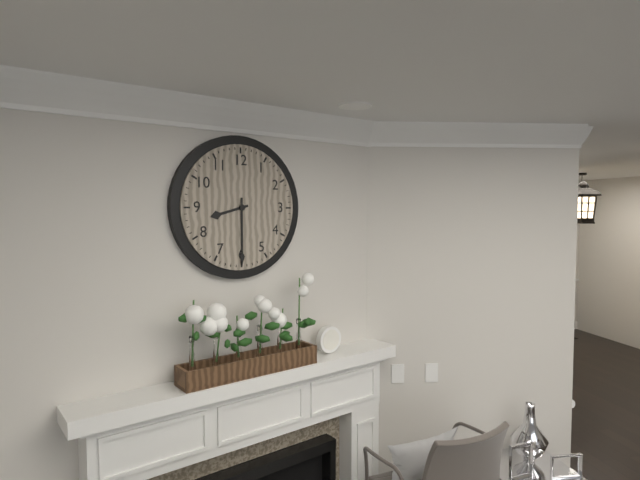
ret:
8:30
